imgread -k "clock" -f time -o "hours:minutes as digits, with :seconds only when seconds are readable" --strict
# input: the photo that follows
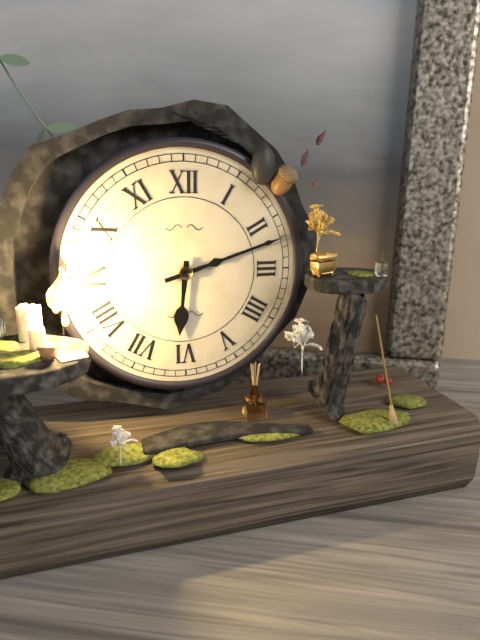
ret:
6:12
